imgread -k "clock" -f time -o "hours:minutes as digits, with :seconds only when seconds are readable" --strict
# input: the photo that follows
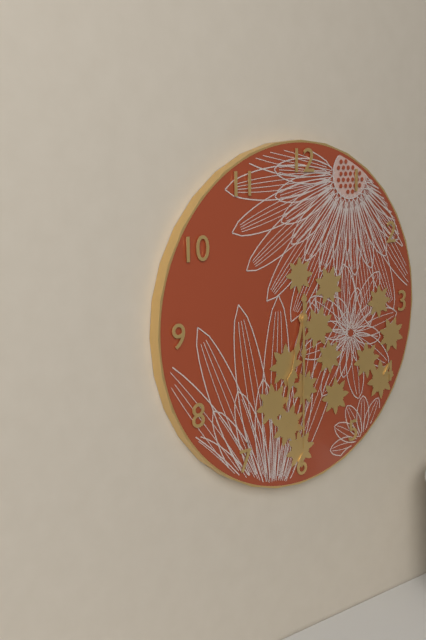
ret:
6:30
